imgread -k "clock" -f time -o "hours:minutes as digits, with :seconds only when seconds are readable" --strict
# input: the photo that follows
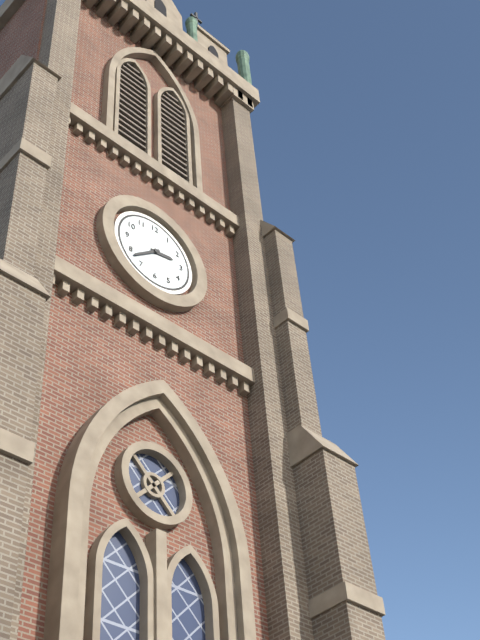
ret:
2:38
